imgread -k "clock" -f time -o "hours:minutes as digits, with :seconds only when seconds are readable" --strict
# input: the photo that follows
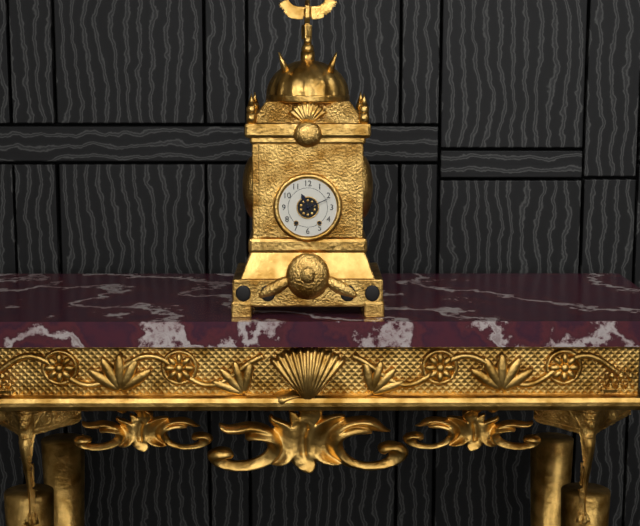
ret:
11:11
